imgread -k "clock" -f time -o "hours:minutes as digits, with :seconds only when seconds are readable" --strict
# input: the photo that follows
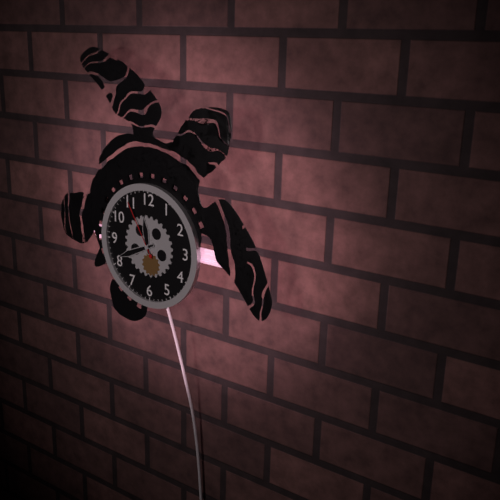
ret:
11:41:55
